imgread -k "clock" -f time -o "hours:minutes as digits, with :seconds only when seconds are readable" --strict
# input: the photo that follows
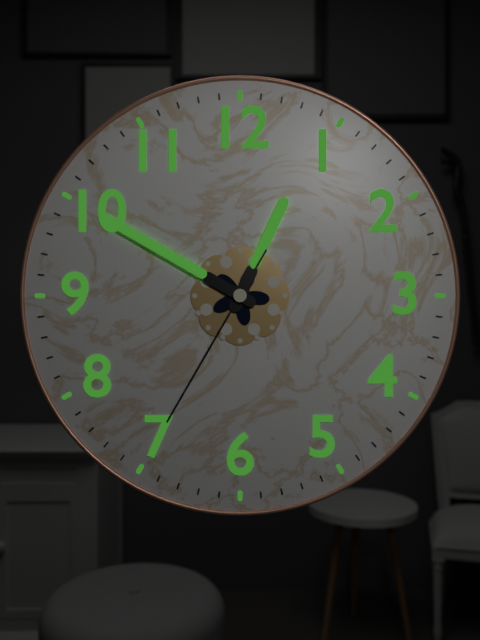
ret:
12:50:35
